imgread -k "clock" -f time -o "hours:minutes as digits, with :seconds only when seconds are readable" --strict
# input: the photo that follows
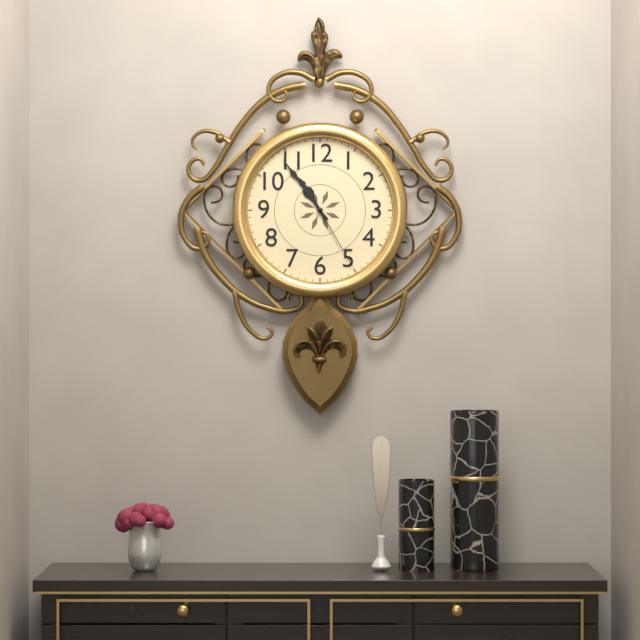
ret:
10:54:25
